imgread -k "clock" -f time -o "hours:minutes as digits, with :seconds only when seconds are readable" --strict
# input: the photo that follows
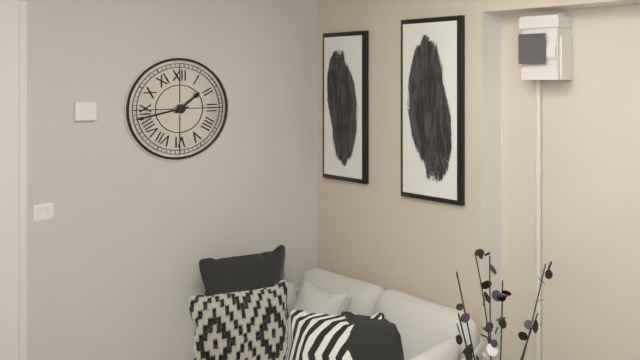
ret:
1:43
